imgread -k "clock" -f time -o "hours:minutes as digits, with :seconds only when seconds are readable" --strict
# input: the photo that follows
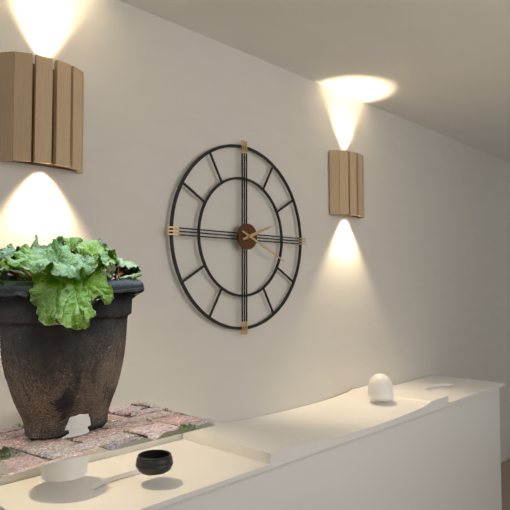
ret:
2:19
